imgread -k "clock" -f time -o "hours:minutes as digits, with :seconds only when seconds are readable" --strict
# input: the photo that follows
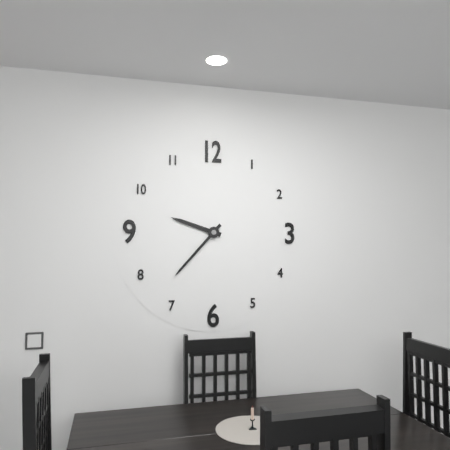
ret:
9:37
